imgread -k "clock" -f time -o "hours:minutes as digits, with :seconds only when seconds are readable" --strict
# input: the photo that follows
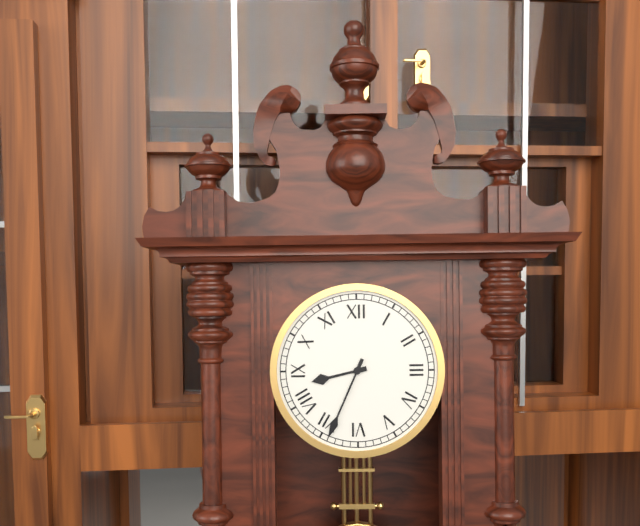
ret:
8:34
